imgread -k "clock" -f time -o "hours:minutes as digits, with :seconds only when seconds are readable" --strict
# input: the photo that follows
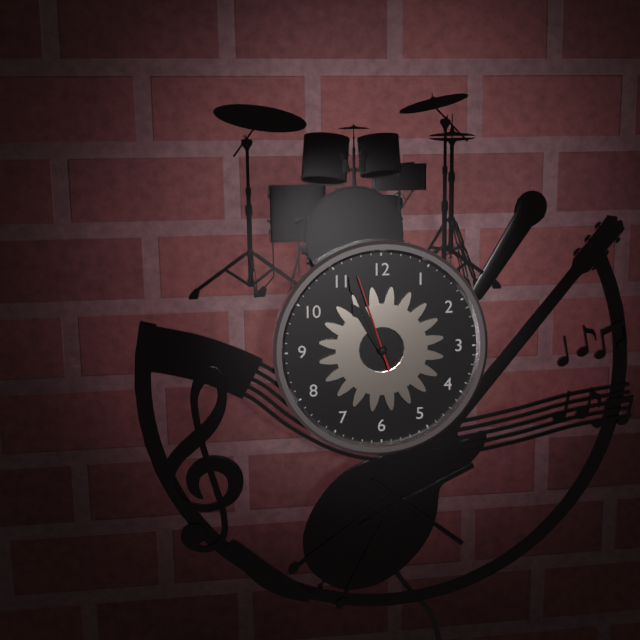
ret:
10:56:57
